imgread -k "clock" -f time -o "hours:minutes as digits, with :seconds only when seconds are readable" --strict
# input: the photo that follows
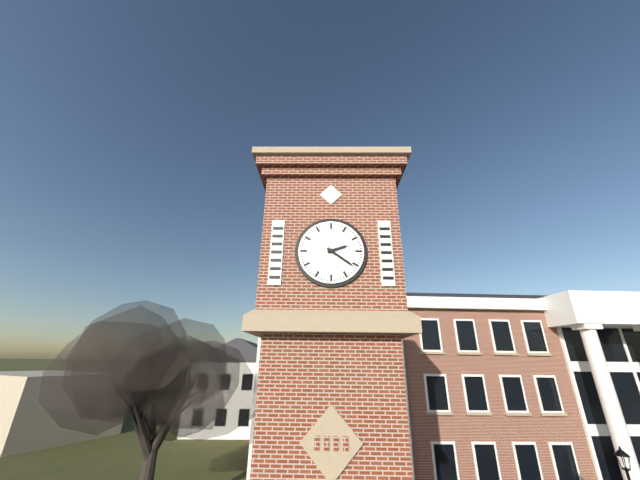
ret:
2:21
